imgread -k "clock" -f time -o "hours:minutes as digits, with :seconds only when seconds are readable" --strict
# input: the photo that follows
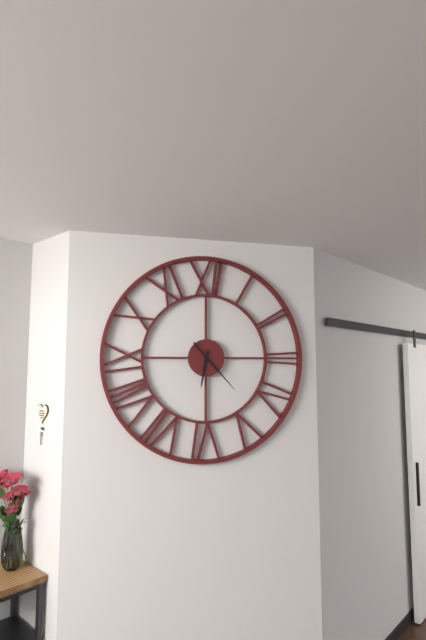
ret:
6:23
